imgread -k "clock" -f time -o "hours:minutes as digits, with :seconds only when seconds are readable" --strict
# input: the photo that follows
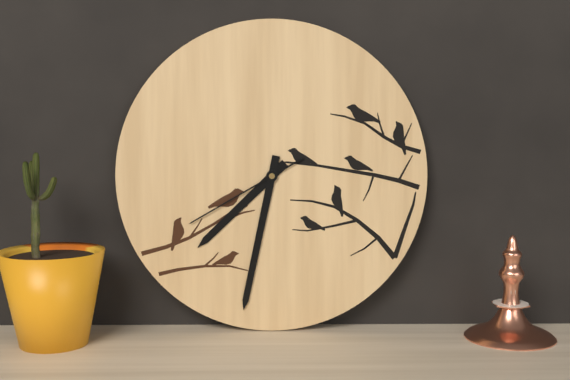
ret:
7:32:40
